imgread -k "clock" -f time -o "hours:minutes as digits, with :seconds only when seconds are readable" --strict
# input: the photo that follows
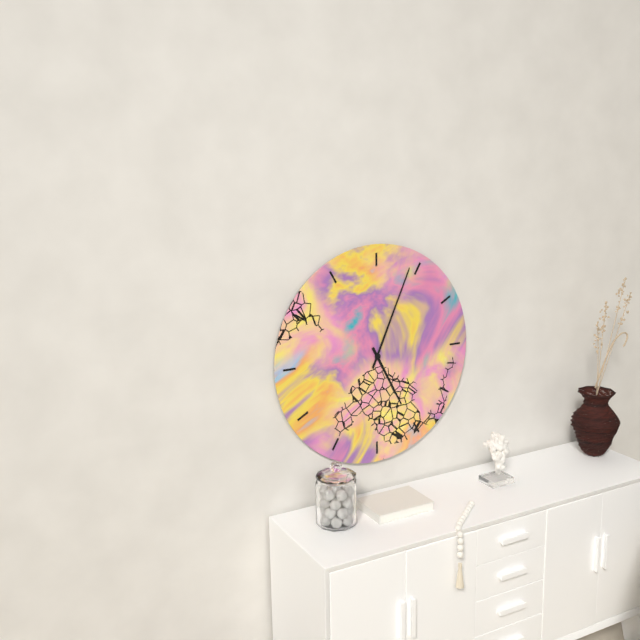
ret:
5:04
